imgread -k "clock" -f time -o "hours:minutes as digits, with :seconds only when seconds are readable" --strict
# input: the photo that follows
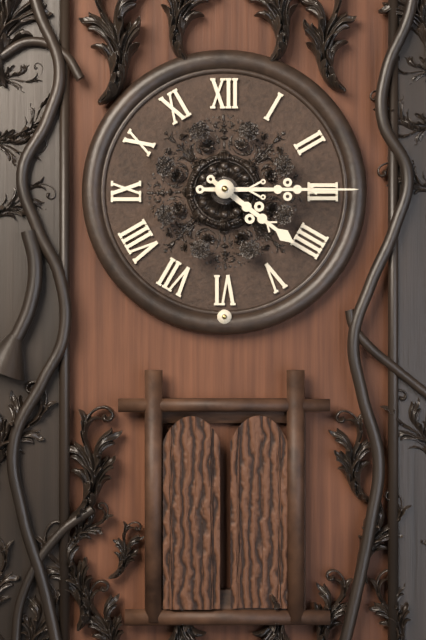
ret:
4:15
